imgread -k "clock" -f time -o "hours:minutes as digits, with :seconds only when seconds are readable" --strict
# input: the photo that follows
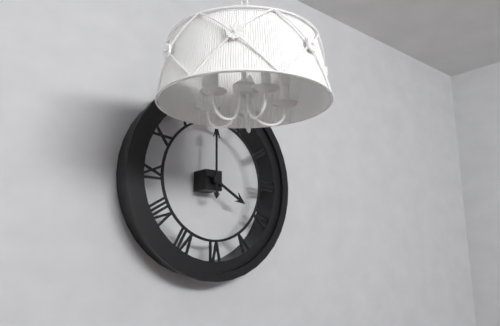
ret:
4:00
